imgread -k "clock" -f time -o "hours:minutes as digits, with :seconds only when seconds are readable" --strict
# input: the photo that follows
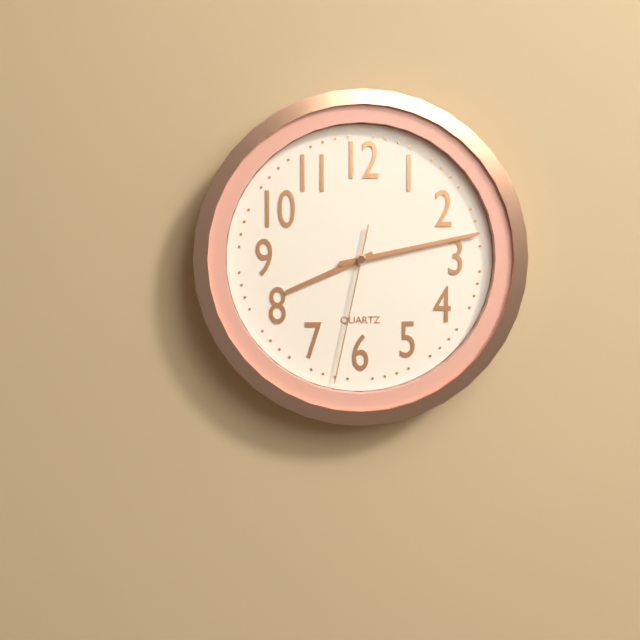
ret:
8:13:32
